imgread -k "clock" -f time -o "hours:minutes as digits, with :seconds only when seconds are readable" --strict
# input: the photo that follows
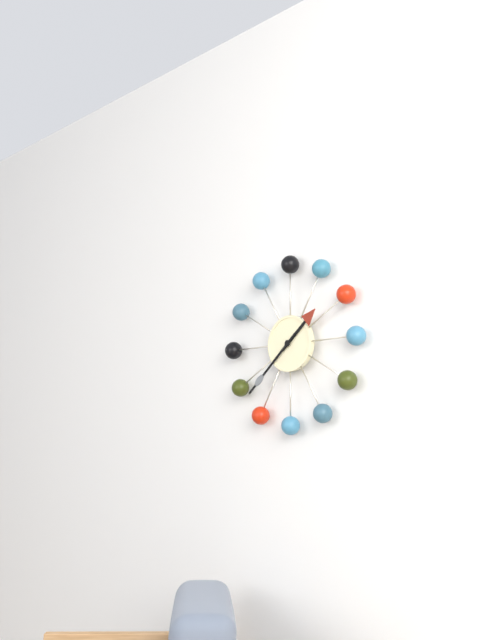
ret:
1:38
